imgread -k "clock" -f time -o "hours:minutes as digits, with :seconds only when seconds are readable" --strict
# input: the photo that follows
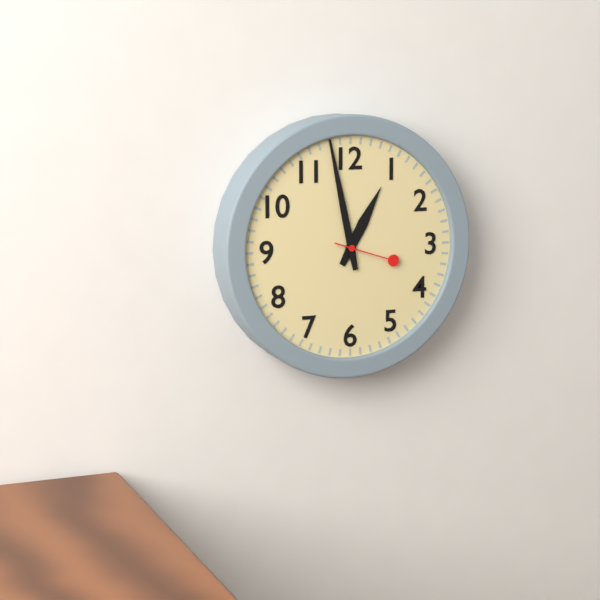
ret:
12:58:18
